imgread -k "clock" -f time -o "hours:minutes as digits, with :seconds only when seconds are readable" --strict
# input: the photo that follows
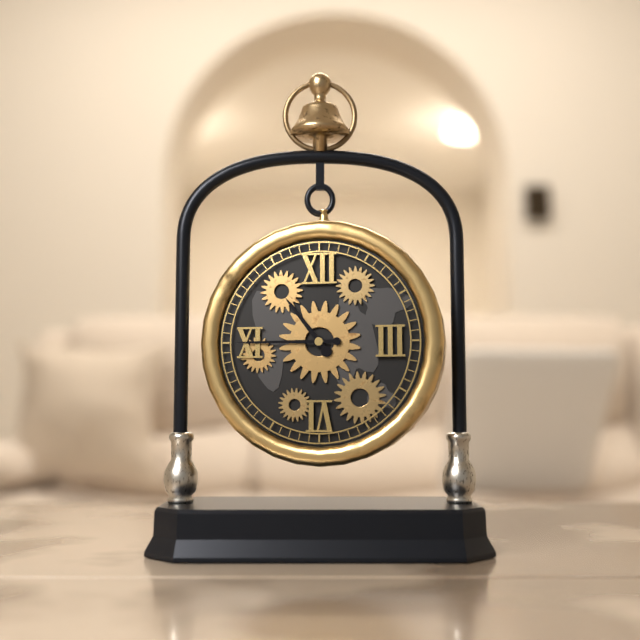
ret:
10:45
